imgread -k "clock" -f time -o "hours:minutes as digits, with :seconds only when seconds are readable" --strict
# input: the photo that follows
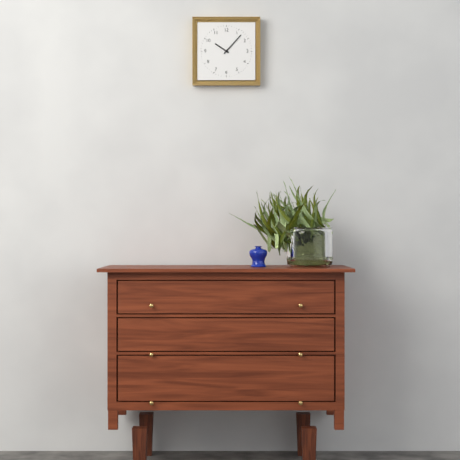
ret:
10:07
